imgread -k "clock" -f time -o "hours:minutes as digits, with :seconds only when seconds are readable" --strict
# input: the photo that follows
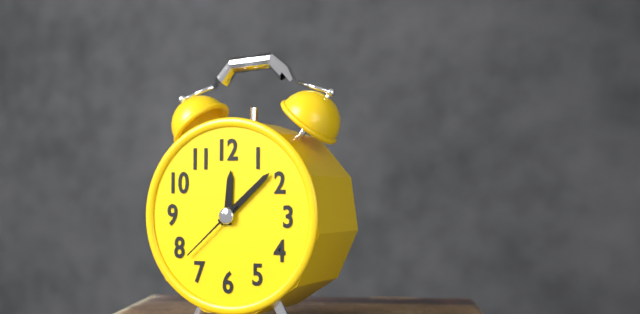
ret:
12:08:38
